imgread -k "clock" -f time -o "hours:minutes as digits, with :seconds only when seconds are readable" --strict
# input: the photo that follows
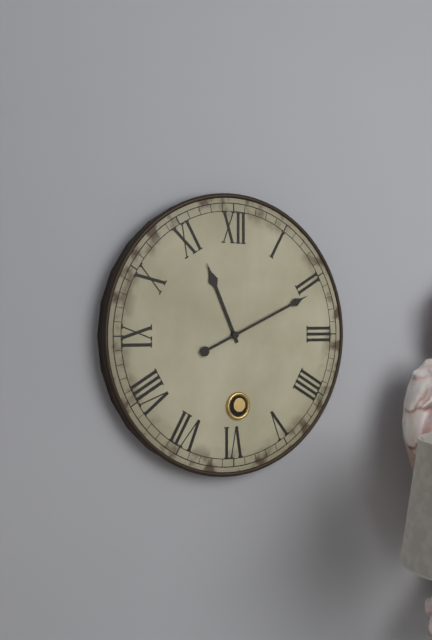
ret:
11:11
